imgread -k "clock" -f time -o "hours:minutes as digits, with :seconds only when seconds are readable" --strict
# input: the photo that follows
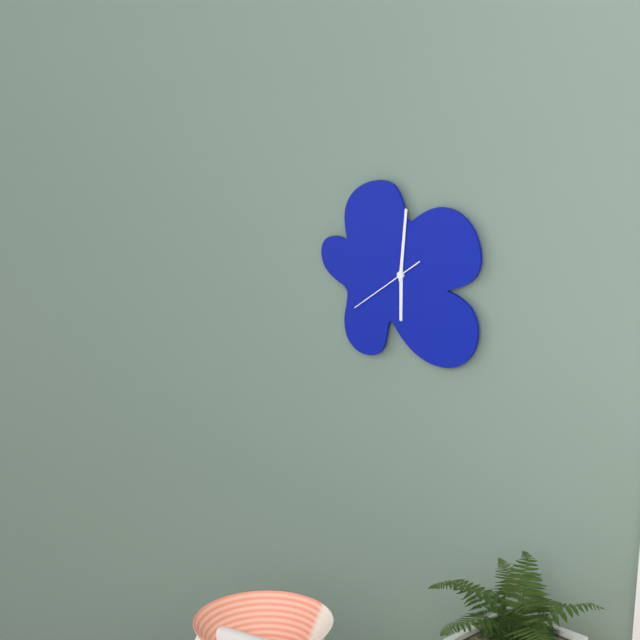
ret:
6:01:39
